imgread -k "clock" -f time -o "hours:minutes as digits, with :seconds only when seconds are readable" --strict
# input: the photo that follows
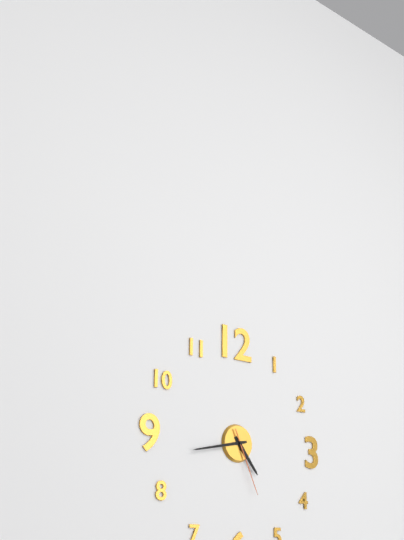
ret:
4:43:26
